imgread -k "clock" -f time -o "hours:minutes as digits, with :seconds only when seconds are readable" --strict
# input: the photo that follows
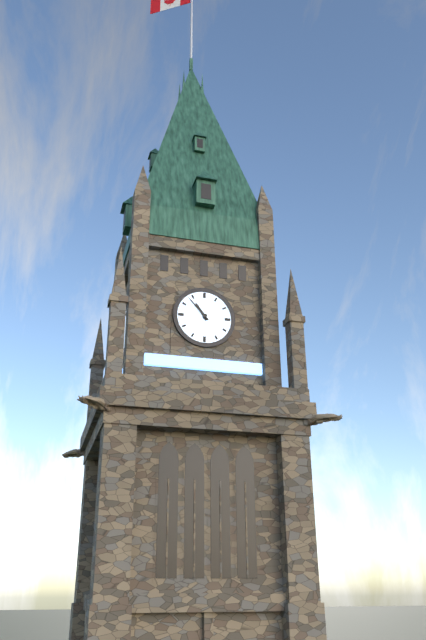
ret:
10:53
